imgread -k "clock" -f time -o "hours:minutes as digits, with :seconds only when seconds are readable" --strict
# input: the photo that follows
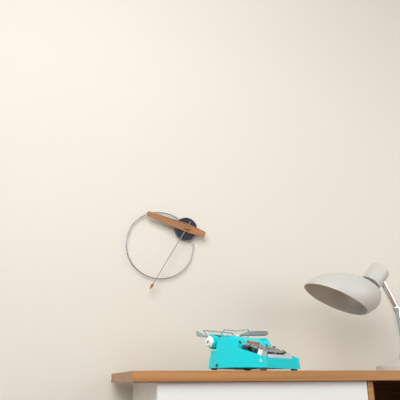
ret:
9:35
